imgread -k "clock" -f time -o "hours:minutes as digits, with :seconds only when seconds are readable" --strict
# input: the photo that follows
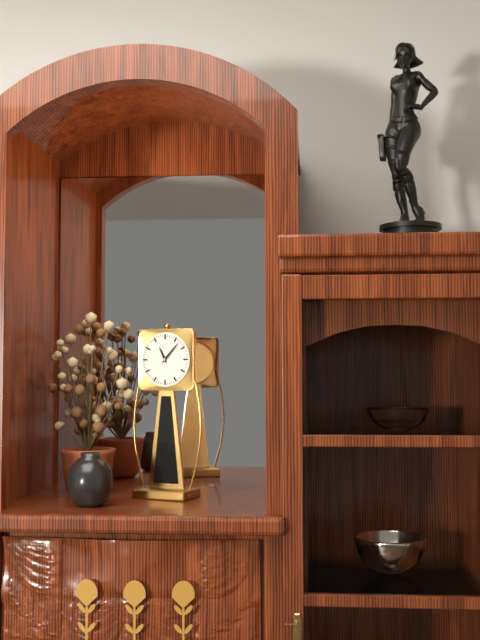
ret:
11:07
